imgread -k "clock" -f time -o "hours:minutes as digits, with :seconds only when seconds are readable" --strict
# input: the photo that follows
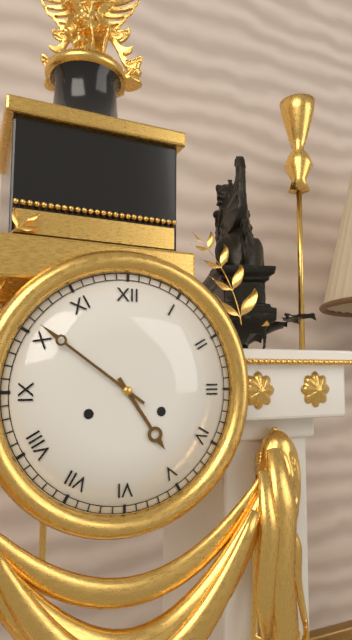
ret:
4:51
